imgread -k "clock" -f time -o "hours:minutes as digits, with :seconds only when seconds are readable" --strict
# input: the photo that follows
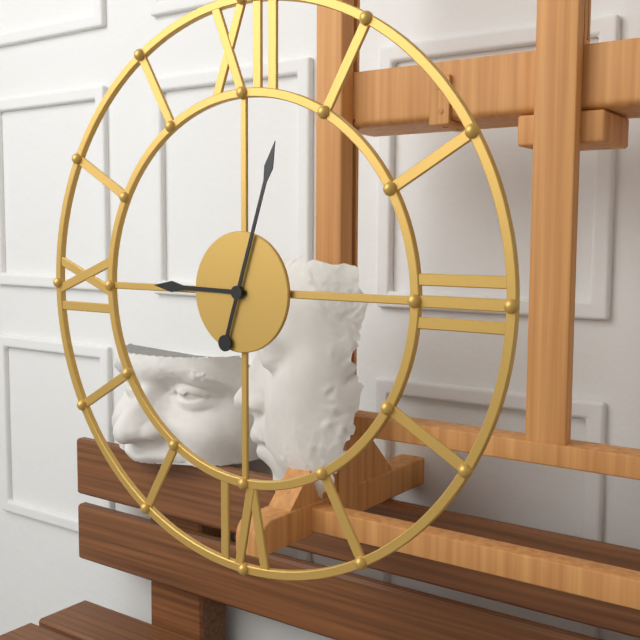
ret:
9:03
